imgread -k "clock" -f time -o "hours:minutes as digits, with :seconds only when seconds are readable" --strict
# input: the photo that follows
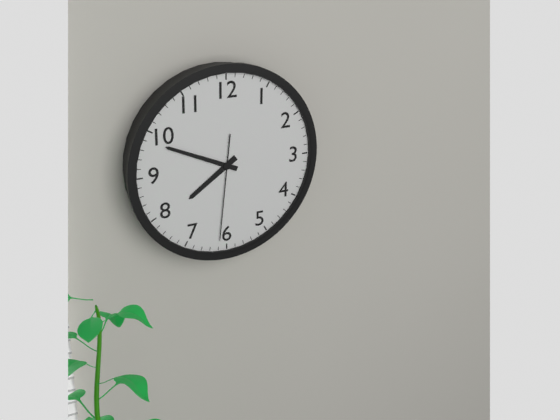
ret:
7:49:31
